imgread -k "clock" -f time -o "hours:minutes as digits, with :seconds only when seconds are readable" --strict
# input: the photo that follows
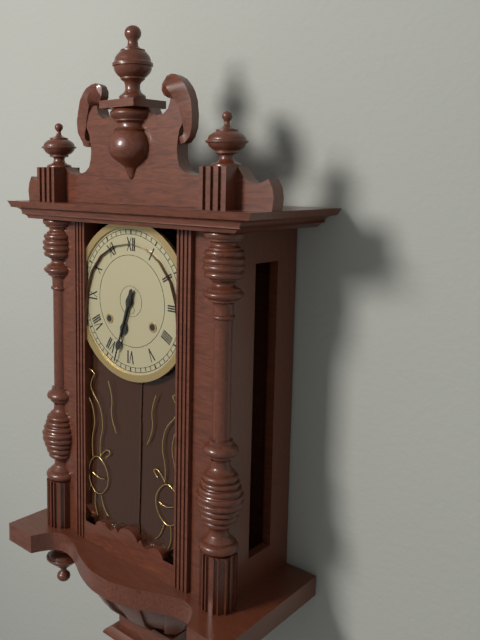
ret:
6:33
